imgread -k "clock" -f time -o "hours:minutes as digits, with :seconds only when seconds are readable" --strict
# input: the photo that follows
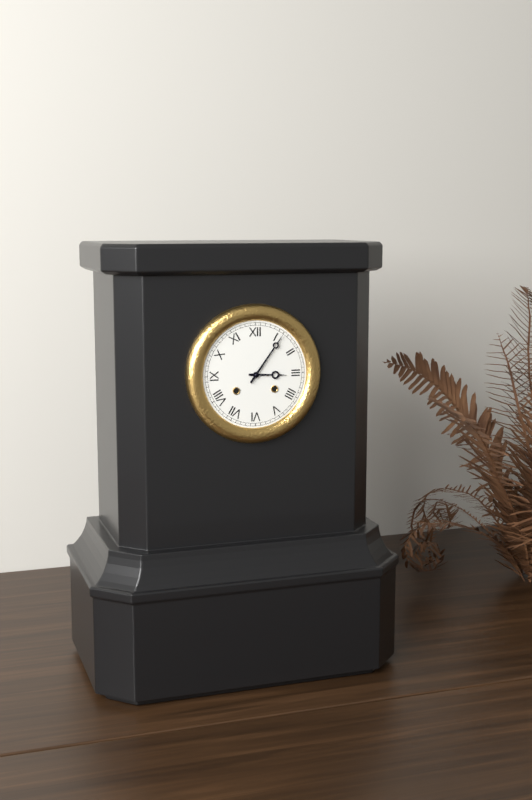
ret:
3:06
